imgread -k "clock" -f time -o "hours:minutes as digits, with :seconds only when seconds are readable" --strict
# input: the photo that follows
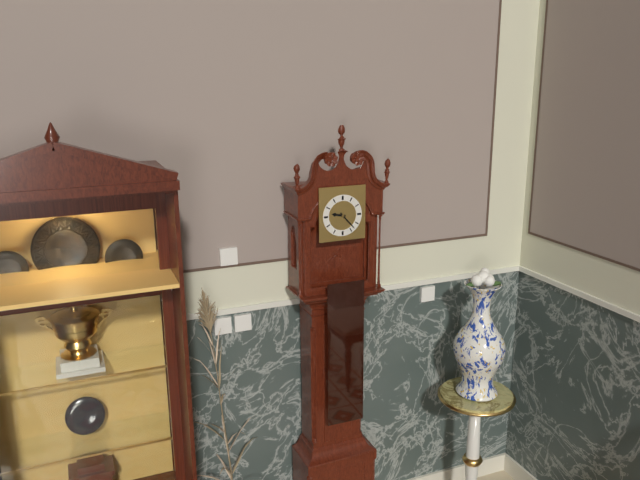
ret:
9:23
